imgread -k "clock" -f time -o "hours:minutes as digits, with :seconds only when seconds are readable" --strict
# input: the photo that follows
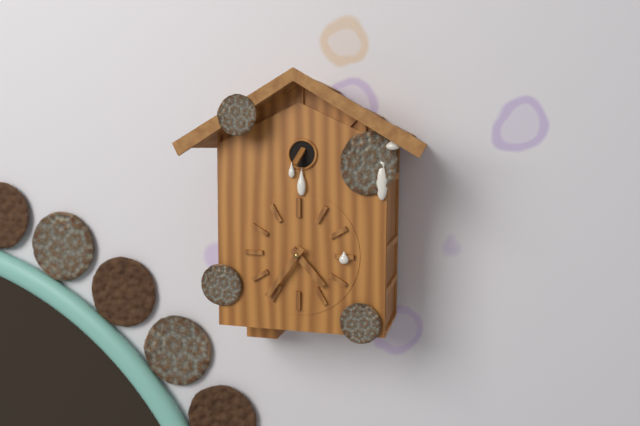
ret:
4:36
